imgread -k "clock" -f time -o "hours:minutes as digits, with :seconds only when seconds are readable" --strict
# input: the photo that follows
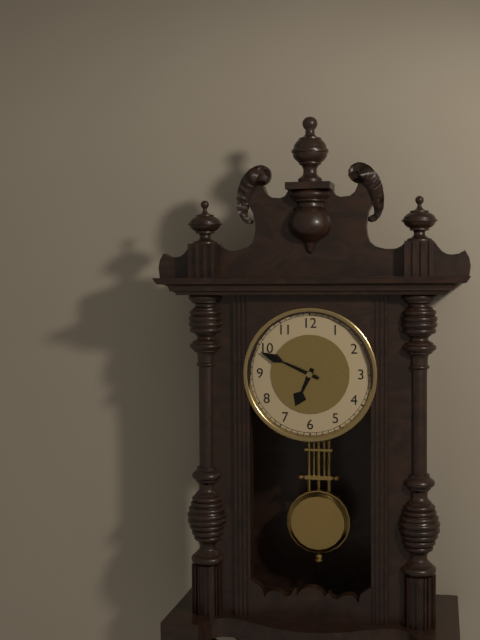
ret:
6:49
